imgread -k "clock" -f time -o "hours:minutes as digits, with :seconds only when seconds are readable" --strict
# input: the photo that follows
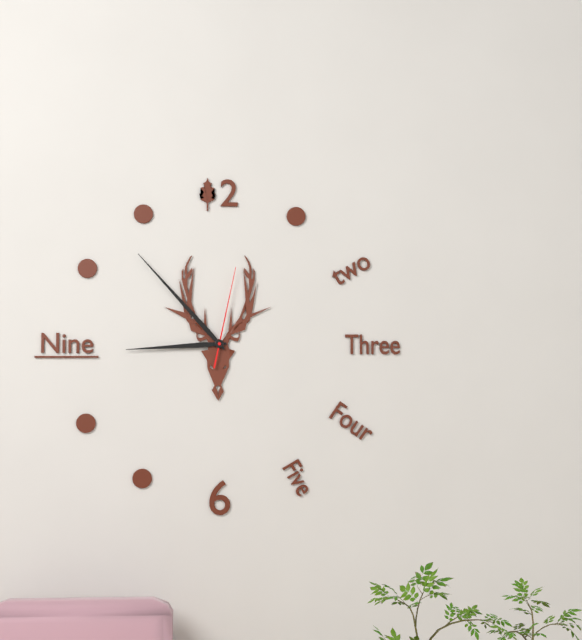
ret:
8:53:02
